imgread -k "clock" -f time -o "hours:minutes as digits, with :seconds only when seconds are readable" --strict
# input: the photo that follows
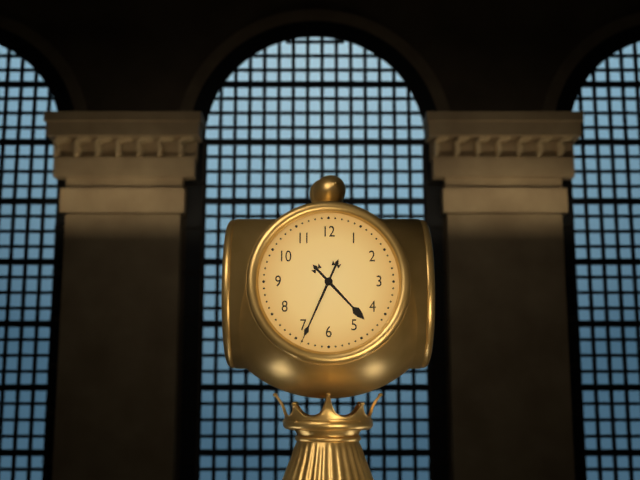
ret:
4:34
